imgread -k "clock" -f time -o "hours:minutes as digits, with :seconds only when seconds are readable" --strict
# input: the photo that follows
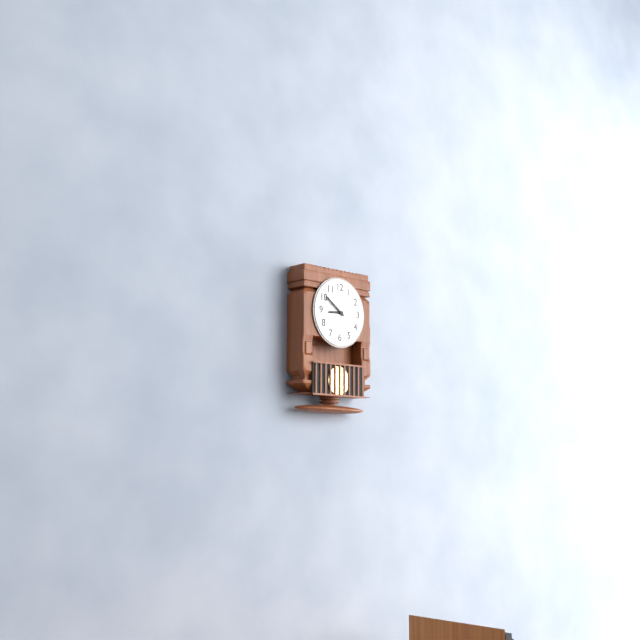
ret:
8:51
